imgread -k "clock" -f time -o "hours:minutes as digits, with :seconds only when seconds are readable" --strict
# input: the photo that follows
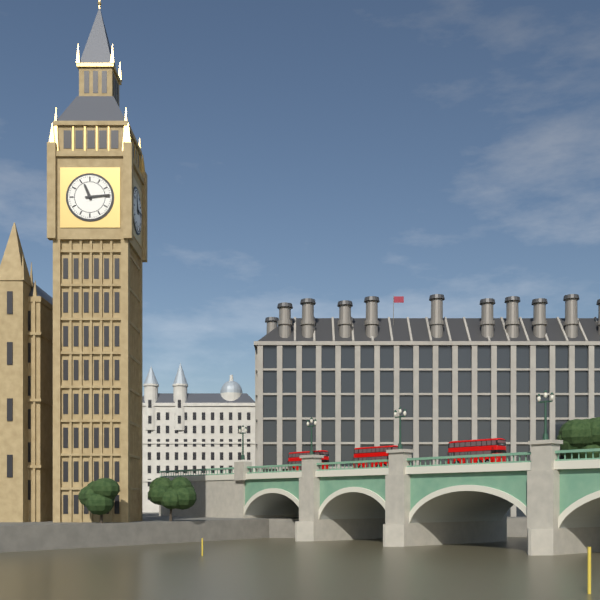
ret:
11:14
